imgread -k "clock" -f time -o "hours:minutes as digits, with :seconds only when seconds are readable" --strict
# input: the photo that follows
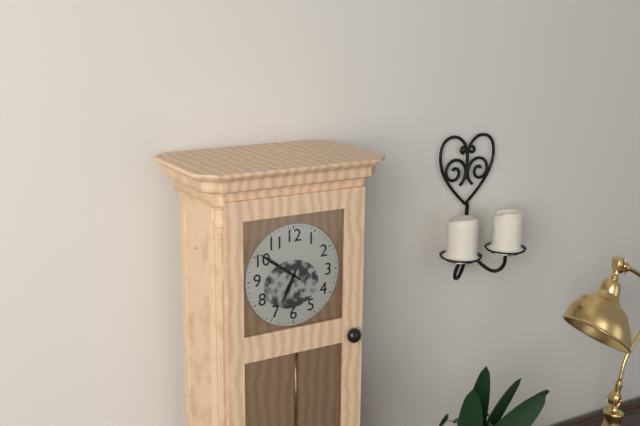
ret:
6:51
